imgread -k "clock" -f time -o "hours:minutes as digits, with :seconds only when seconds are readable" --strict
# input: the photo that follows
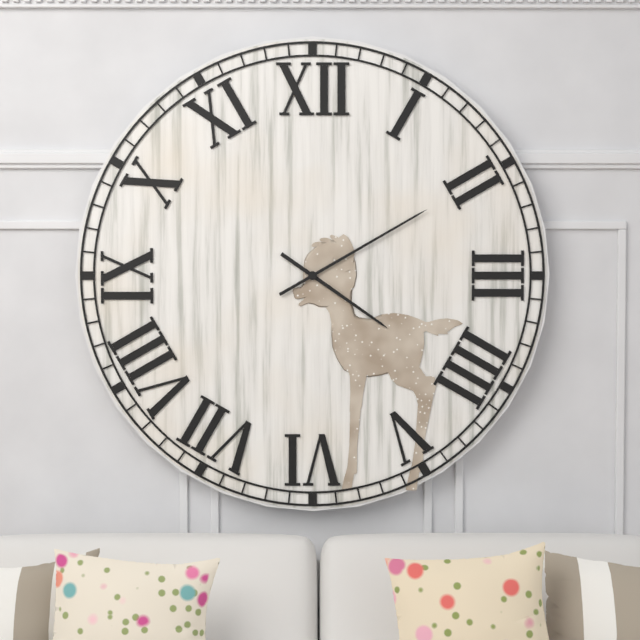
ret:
4:10
